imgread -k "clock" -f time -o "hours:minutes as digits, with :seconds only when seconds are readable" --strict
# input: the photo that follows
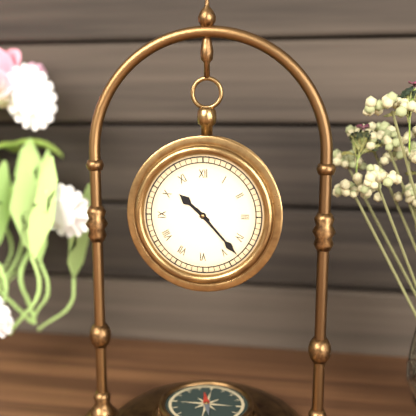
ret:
10:23
